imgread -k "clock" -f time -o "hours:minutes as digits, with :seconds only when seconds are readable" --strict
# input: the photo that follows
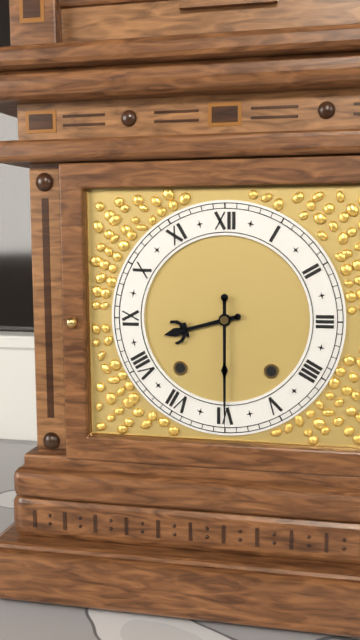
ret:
8:30
